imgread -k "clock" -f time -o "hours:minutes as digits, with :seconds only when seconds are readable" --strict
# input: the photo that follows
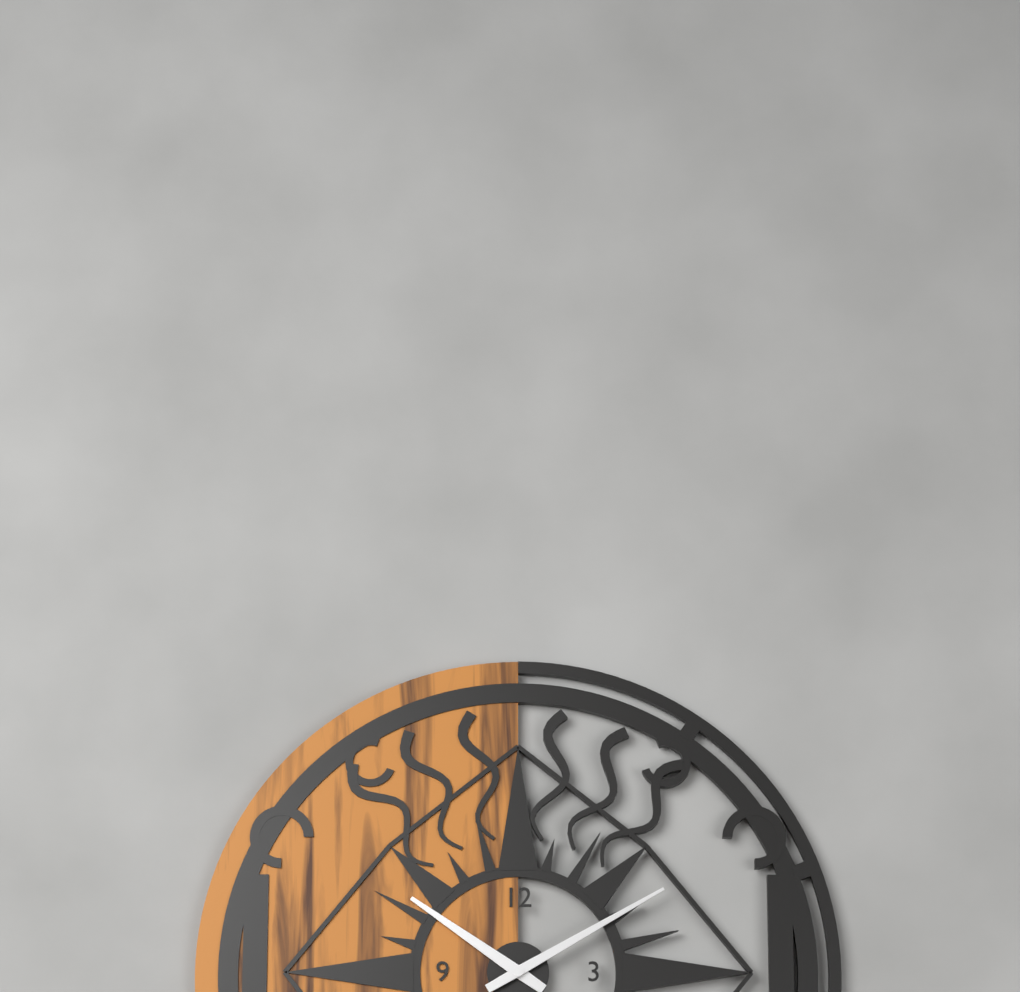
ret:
10:10
